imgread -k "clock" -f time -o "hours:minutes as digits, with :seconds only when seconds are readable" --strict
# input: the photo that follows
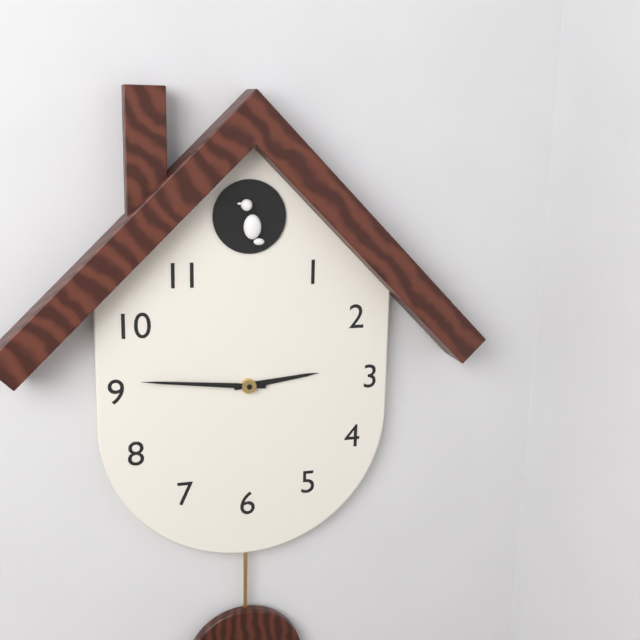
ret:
2:46
